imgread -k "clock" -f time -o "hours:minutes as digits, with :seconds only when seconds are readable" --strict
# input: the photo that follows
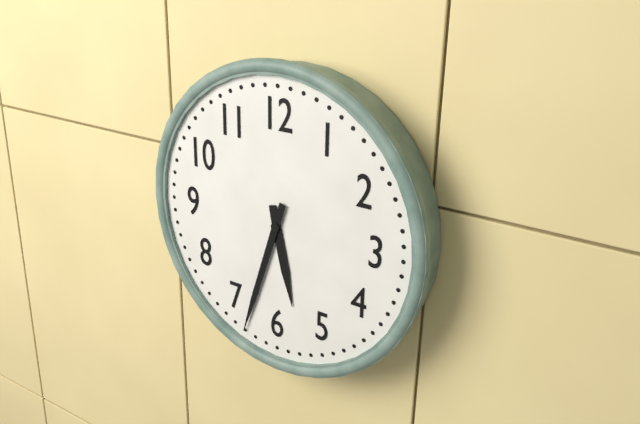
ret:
5:33
